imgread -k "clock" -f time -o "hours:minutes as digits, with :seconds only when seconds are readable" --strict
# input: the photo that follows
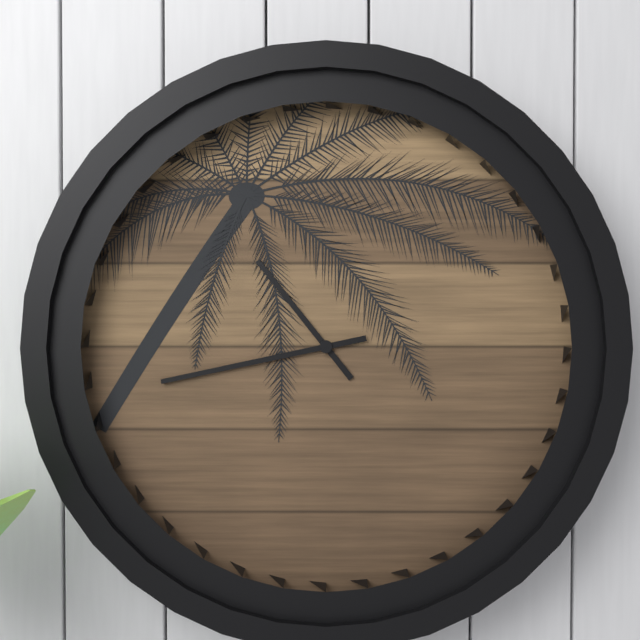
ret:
10:43
